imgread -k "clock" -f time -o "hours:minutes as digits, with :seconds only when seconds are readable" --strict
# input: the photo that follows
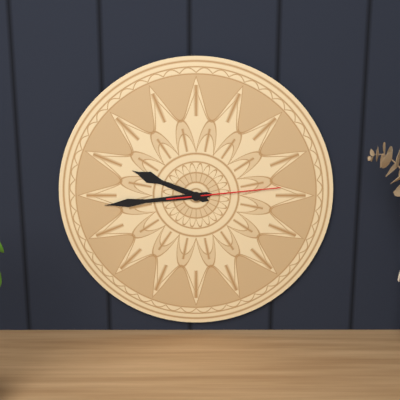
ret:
9:44:14
